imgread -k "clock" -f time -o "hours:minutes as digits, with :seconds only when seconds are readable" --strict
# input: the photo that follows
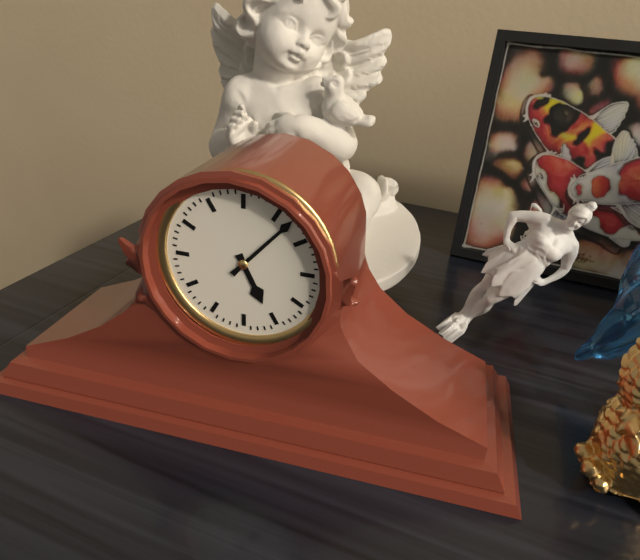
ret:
5:07
